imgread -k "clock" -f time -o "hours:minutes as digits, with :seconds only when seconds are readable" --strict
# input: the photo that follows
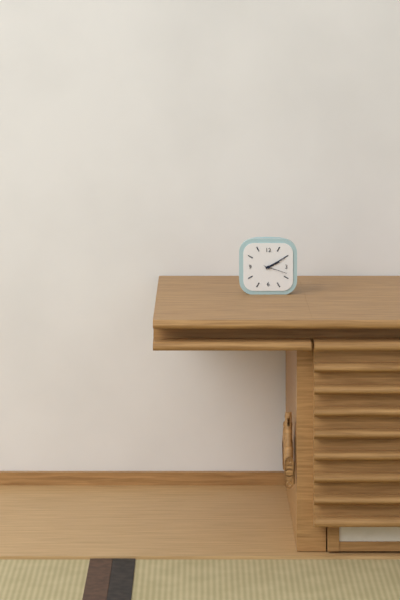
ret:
2:10
